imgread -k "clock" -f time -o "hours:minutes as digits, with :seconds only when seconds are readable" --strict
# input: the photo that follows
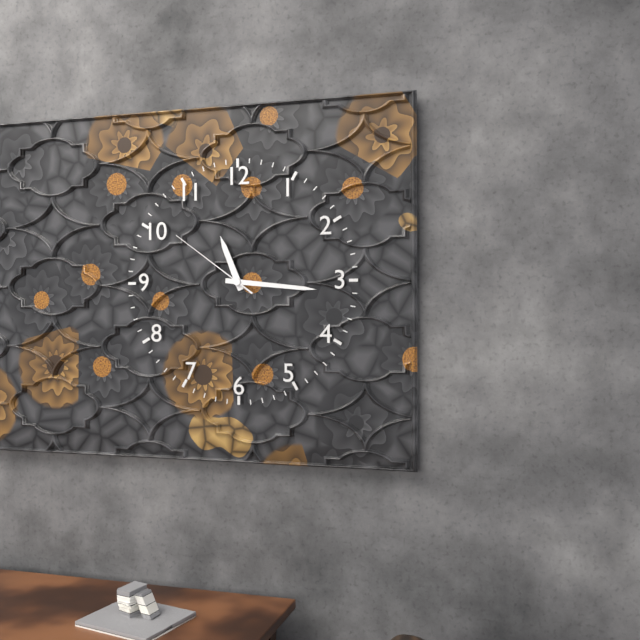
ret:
11:16:51
